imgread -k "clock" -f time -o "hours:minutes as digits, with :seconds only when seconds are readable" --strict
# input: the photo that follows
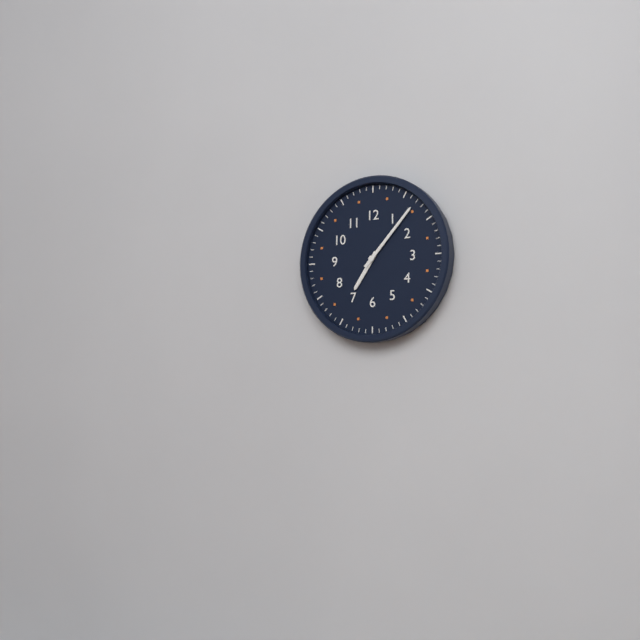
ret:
7:07
